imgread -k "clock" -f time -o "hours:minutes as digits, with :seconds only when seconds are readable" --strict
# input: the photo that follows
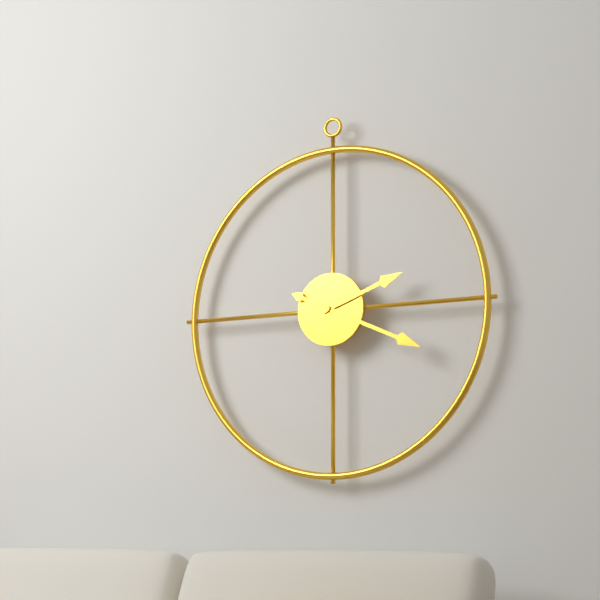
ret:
2:19
